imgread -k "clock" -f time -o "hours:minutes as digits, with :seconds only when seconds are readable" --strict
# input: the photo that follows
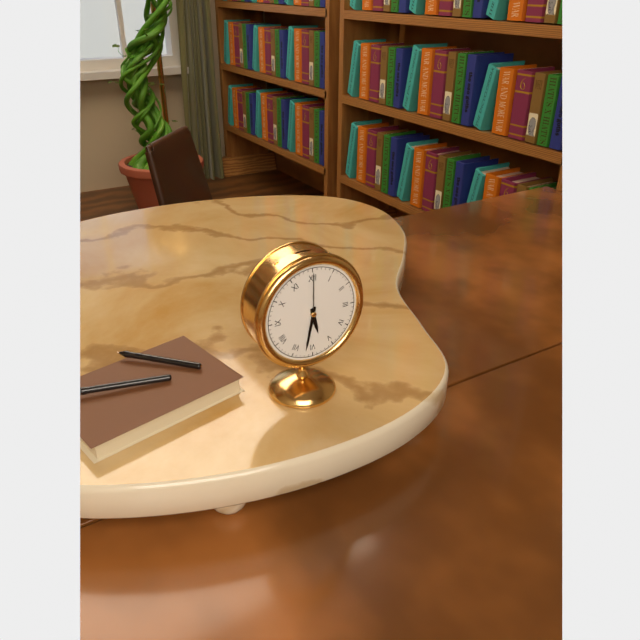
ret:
5:32:00
